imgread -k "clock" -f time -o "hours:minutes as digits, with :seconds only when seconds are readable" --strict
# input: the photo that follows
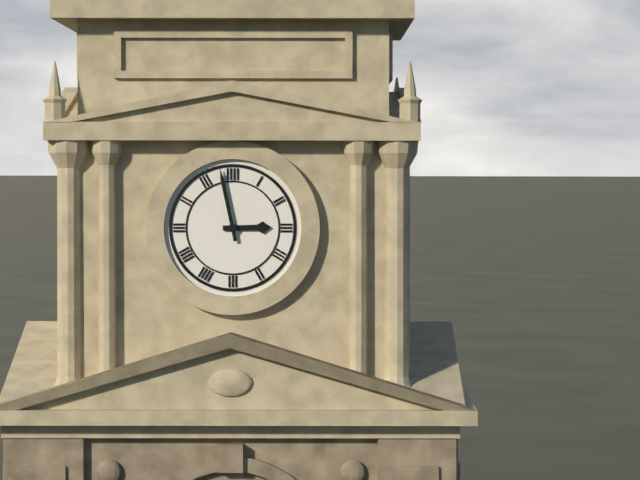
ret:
2:58
